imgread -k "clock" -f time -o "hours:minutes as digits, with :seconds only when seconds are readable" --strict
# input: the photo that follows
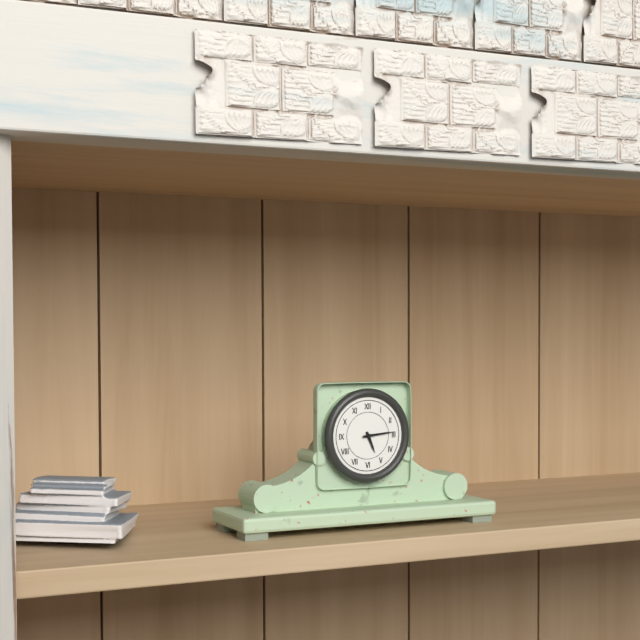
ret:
5:14
